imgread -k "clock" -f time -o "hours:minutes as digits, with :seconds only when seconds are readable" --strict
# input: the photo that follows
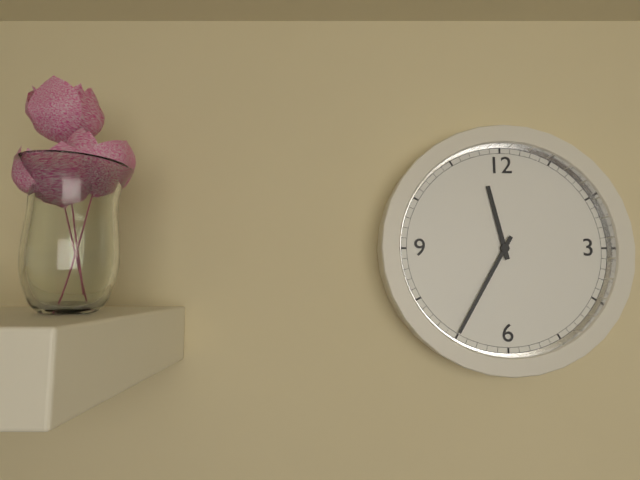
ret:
11:35
